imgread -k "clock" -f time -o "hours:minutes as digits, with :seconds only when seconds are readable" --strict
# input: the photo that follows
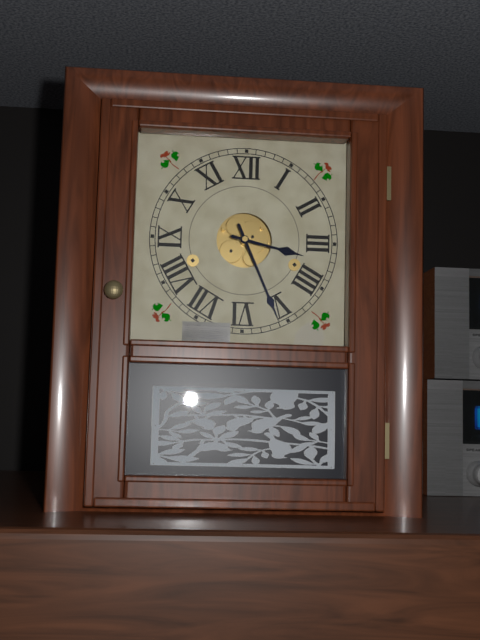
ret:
3:26
